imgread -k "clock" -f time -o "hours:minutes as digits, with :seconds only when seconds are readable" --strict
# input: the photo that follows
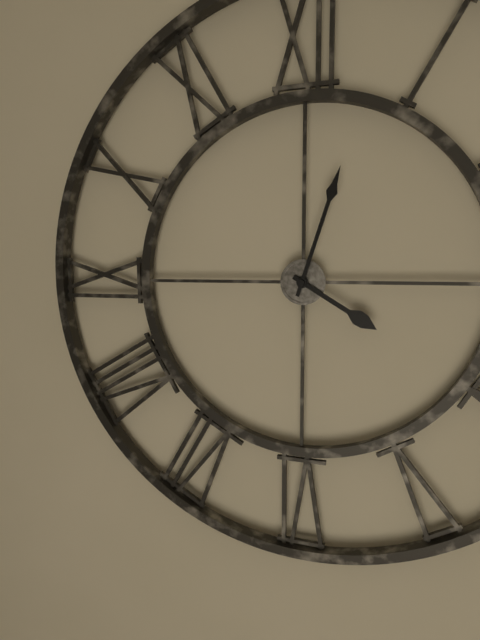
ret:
4:03
